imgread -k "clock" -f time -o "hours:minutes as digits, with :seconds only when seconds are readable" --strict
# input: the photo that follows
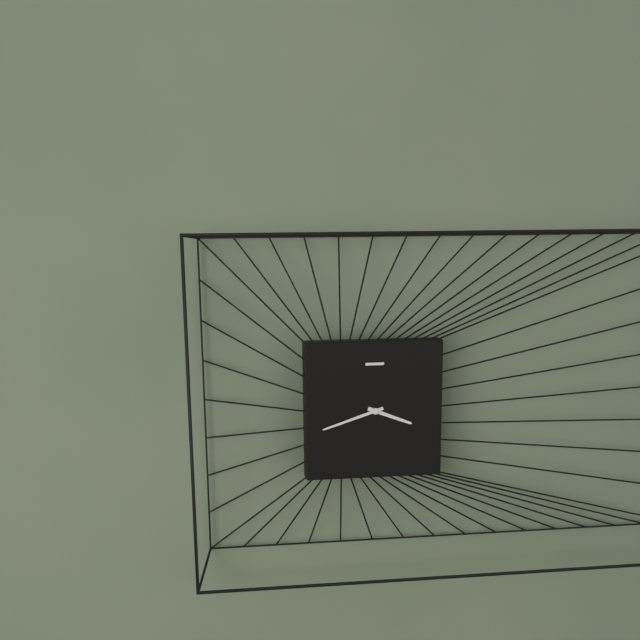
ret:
3:42
